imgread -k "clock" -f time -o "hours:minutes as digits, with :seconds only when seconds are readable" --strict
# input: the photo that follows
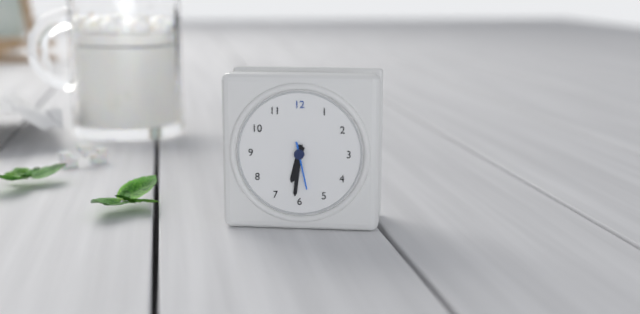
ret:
6:31:28
